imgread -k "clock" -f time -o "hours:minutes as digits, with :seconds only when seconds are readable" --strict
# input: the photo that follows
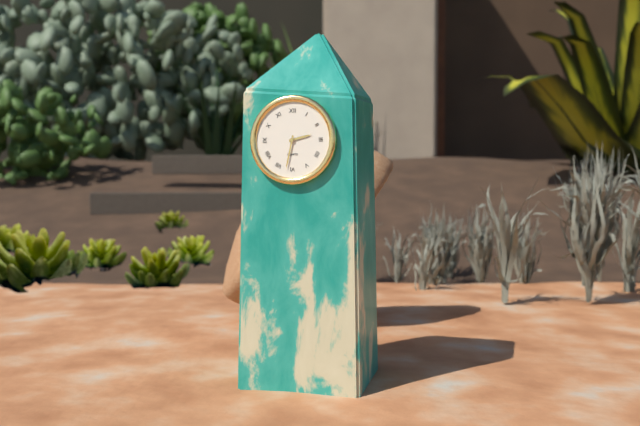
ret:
2:32
